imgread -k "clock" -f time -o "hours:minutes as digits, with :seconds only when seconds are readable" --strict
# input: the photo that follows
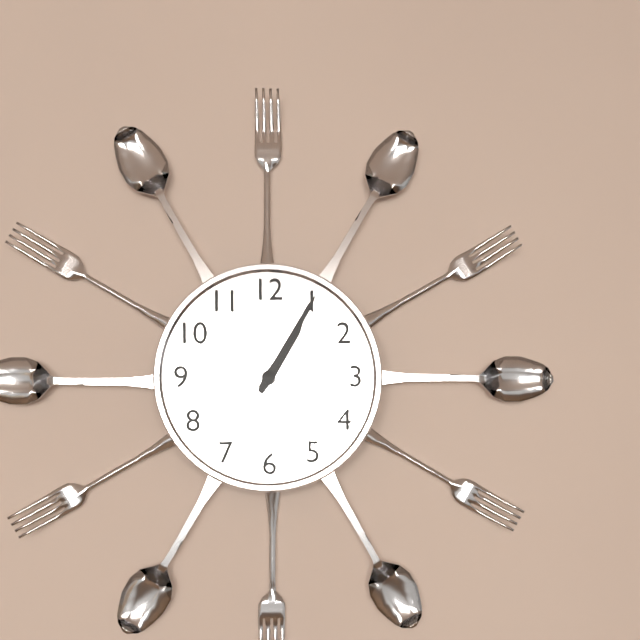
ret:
1:05
